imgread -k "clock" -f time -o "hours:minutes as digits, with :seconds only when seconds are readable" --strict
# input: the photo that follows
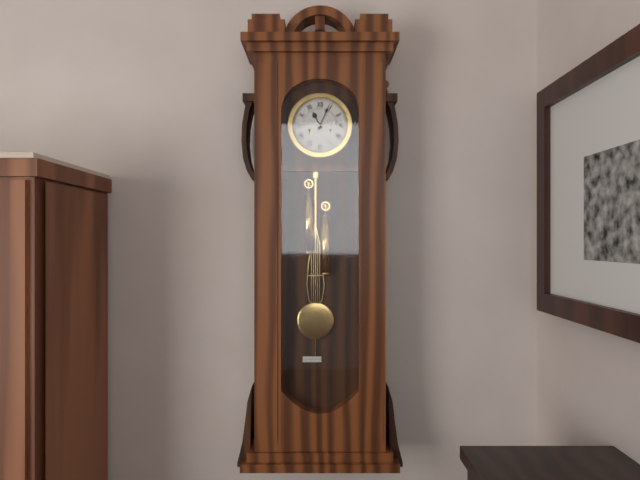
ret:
11:04
